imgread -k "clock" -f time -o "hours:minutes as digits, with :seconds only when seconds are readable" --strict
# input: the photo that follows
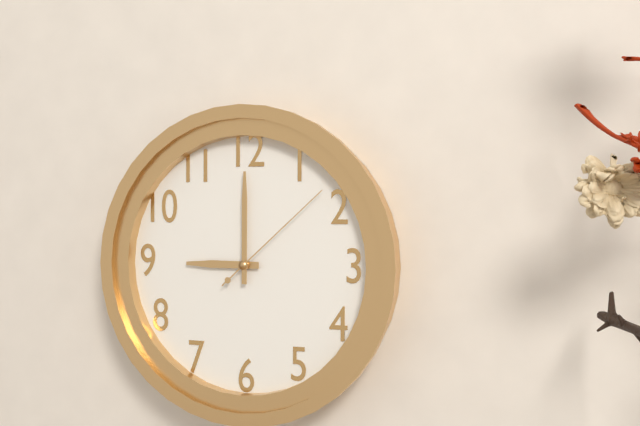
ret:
9:00:08
